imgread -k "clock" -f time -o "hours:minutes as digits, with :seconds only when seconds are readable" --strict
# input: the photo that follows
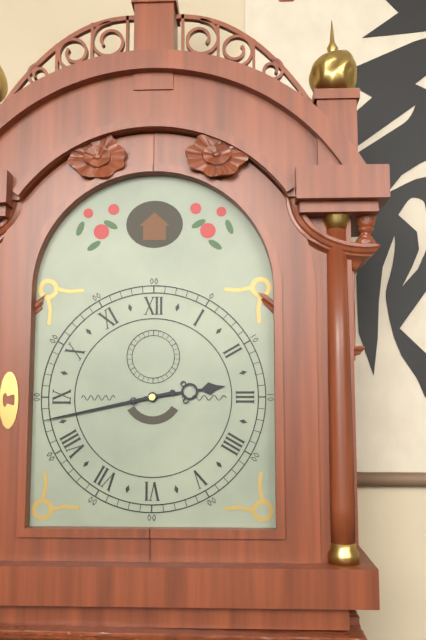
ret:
2:43
